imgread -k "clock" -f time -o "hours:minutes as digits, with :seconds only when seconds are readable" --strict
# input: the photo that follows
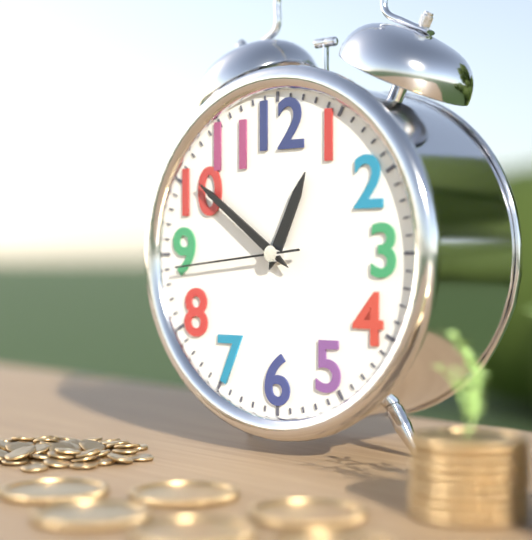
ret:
12:51:44
